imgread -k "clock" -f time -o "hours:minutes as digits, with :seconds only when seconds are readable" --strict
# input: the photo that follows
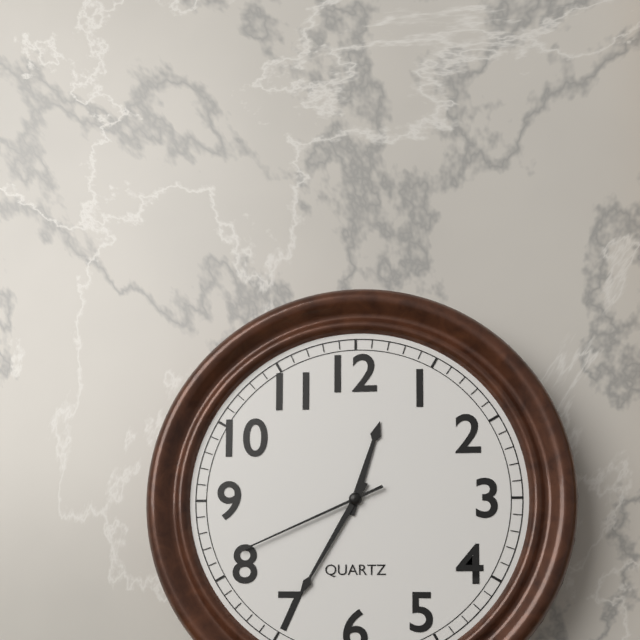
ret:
12:35:41
